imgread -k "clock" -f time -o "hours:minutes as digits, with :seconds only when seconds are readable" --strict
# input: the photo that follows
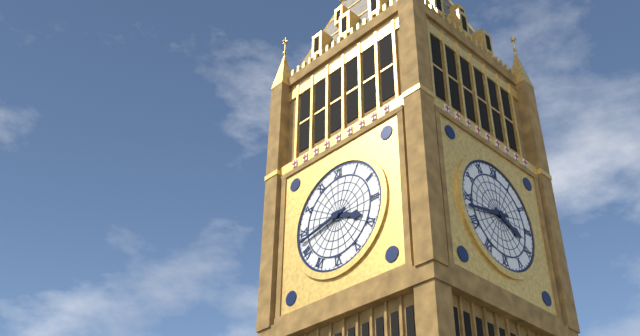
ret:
3:43
